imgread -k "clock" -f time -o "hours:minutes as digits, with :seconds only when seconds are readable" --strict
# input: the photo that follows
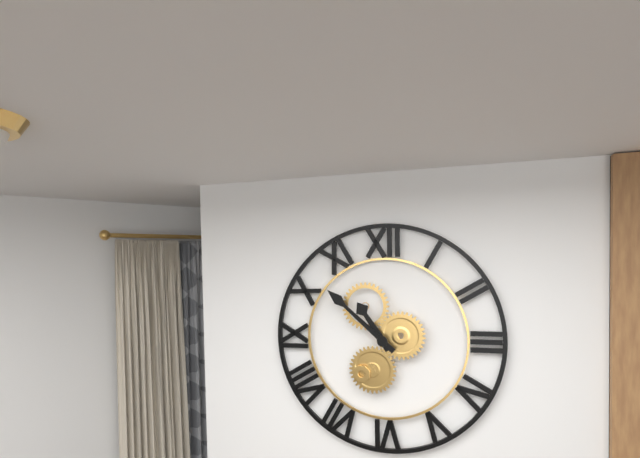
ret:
10:52
